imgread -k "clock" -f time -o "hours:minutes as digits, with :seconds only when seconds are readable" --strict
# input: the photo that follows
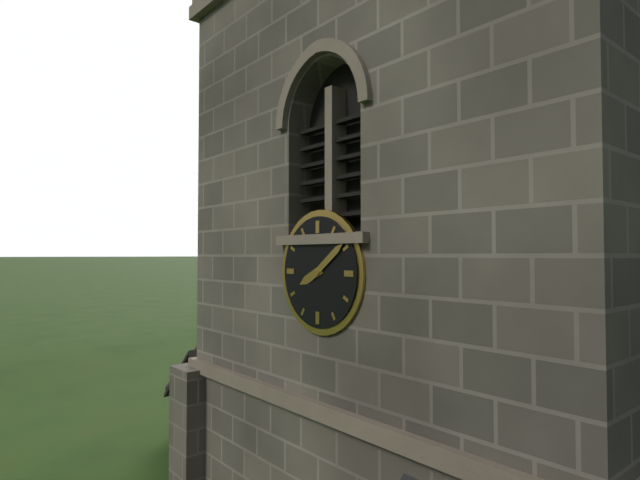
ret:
8:09
